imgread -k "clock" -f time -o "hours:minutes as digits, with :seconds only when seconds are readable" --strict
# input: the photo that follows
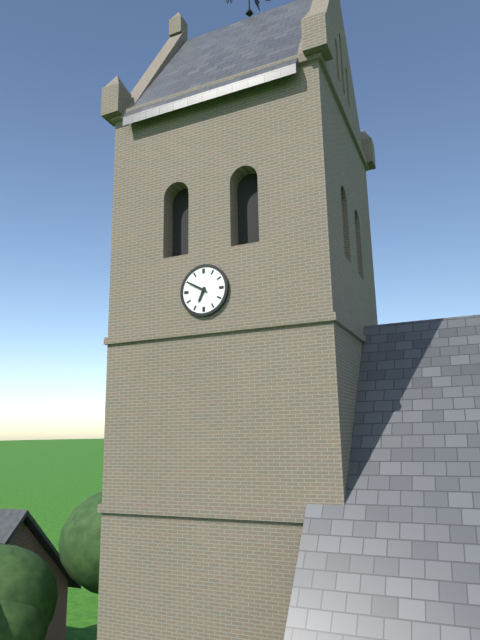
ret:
6:50
